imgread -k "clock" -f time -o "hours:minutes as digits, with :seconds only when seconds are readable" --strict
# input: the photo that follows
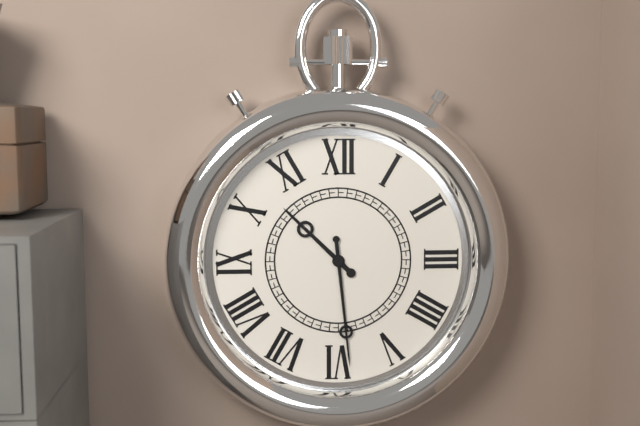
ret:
10:29
